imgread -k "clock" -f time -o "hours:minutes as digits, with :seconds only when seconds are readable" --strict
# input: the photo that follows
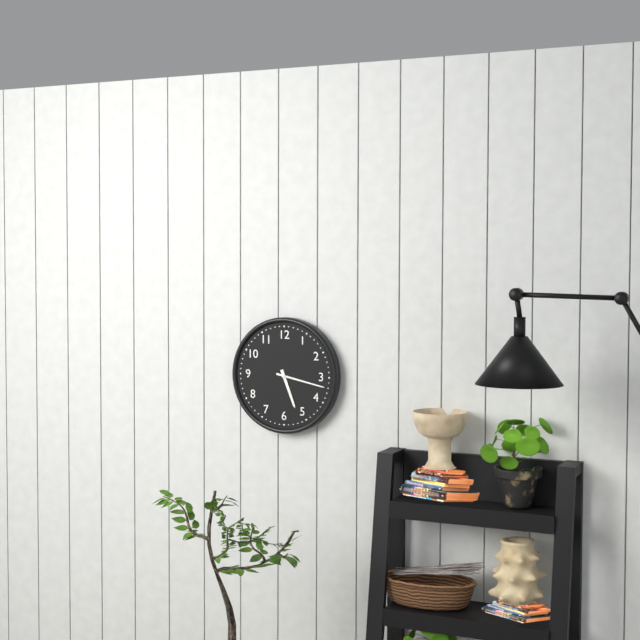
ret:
5:17
